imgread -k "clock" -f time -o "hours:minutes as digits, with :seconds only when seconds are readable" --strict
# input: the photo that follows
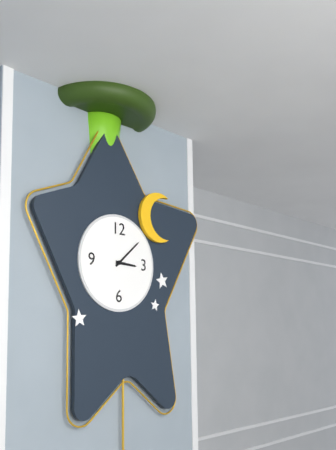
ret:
3:08
